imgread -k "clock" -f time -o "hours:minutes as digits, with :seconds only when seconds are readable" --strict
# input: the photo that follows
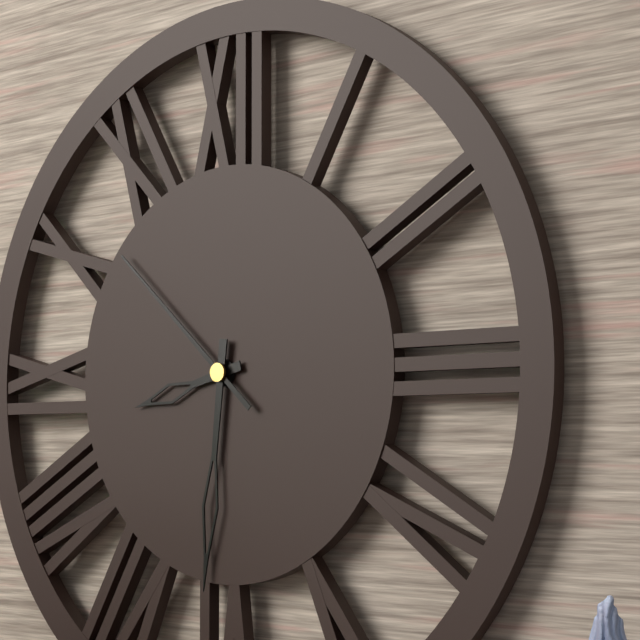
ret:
8:31:52
